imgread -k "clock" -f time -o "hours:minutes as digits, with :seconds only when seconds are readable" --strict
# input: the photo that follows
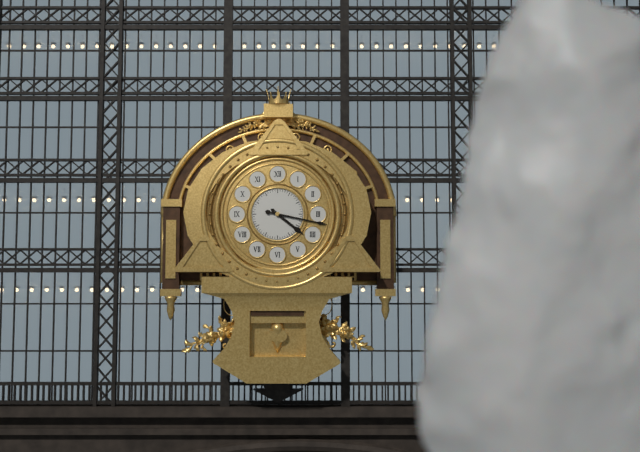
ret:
4:17
